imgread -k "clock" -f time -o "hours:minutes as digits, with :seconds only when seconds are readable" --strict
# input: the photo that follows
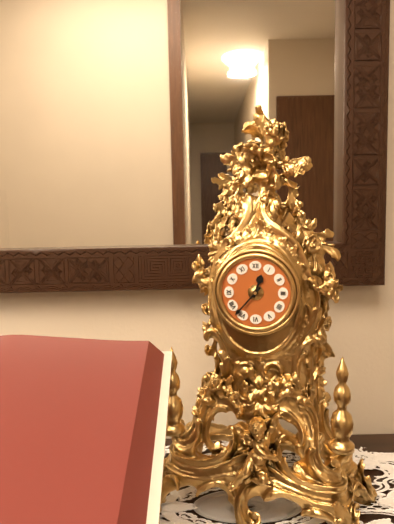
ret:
12:37
